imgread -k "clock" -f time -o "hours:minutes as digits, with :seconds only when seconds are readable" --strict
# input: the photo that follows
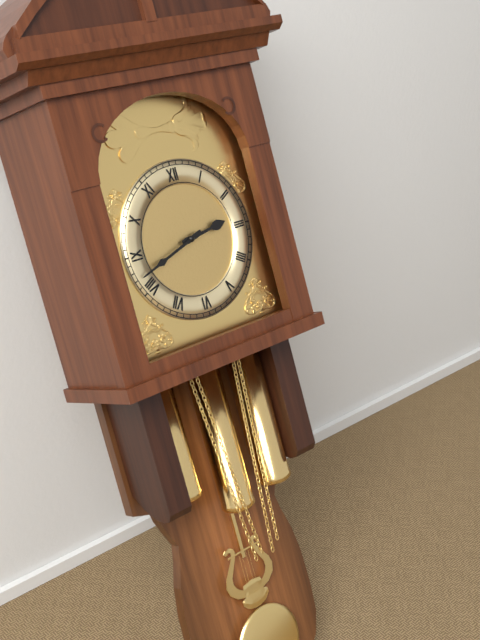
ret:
2:42
